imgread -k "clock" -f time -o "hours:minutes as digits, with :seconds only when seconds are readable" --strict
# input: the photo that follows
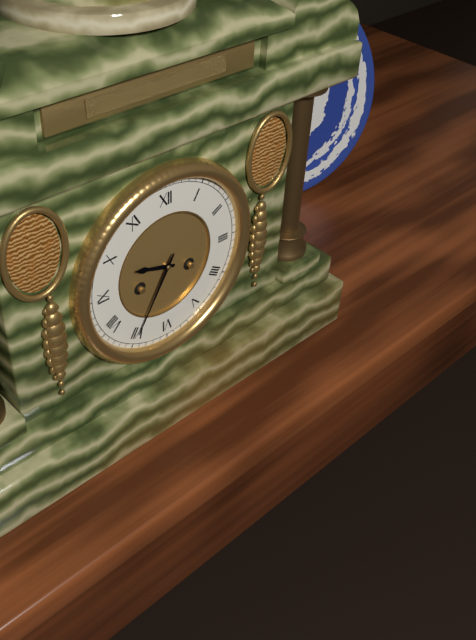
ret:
9:35
